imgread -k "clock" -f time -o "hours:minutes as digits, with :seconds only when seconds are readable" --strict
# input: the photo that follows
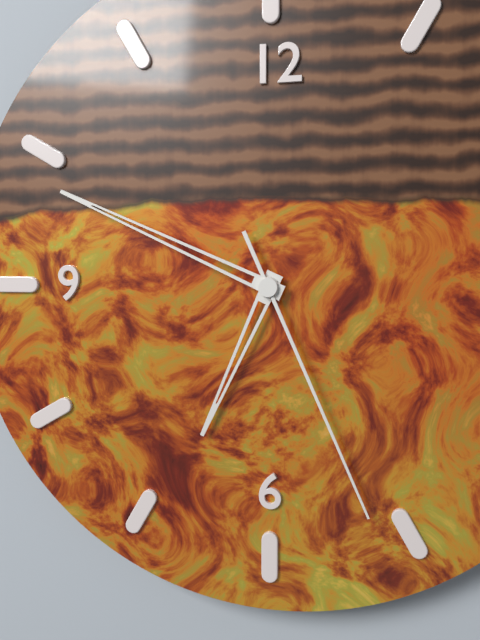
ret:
6:49:26
